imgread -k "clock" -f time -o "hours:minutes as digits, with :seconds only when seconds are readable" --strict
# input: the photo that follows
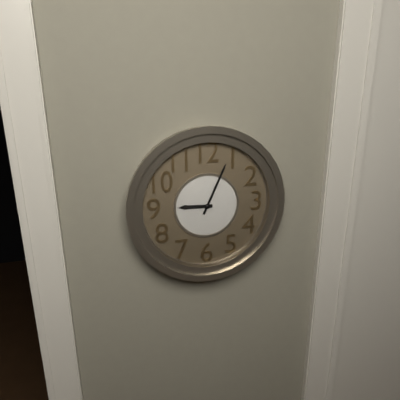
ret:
9:04
